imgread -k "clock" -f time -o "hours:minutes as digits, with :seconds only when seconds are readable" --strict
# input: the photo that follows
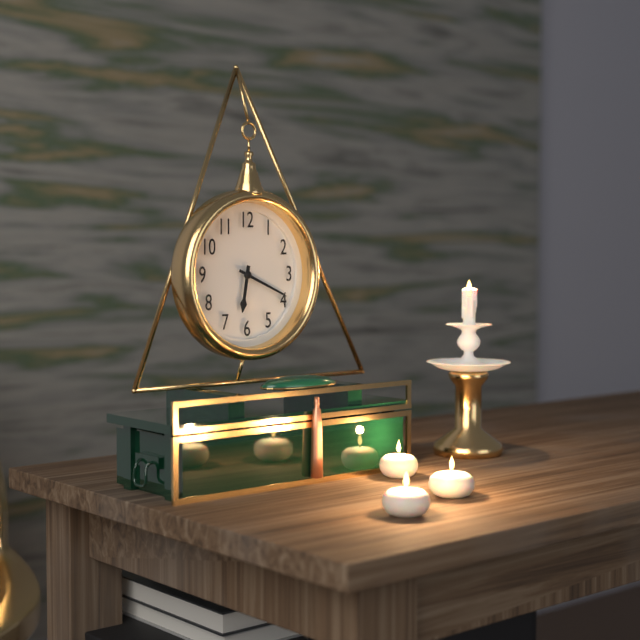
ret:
6:19
